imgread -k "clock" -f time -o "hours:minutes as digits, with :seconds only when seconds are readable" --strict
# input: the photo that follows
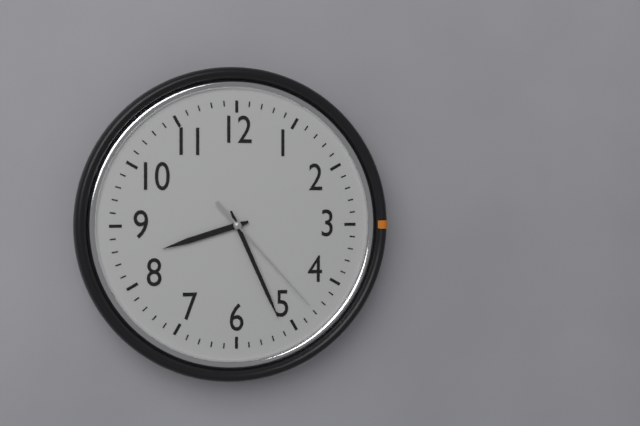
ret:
8:26:23
